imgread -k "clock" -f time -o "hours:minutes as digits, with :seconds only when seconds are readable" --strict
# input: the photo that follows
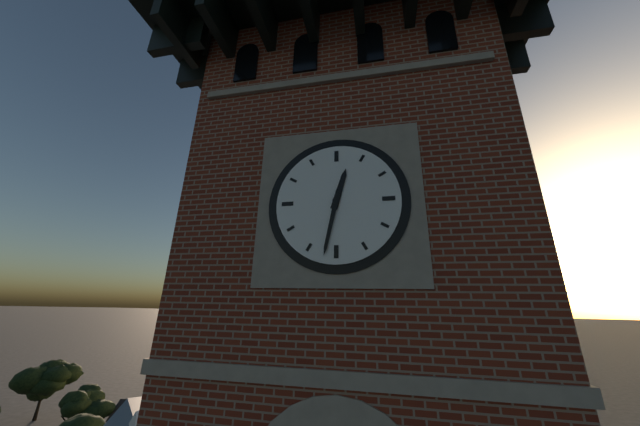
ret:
12:32
